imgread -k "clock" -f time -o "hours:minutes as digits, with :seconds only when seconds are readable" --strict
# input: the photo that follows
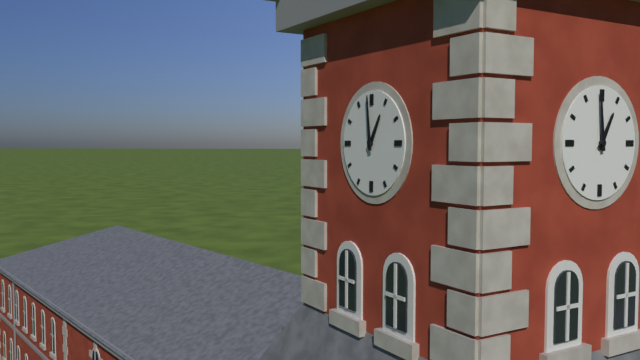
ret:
12:59
